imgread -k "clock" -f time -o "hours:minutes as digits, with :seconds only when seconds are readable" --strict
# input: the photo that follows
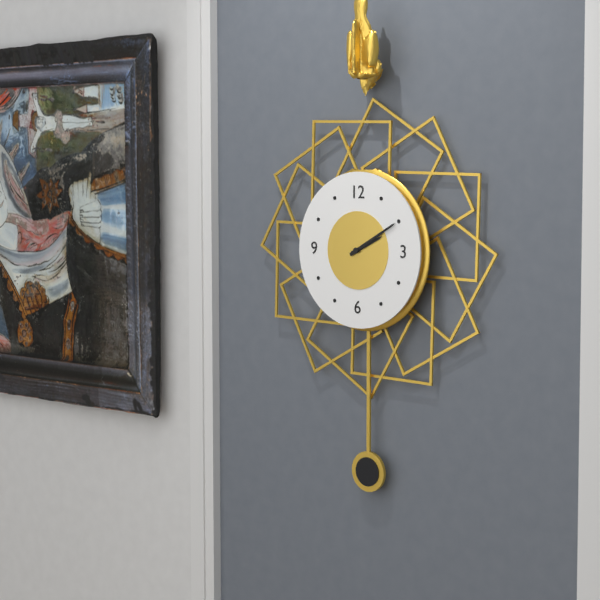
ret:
2:10
